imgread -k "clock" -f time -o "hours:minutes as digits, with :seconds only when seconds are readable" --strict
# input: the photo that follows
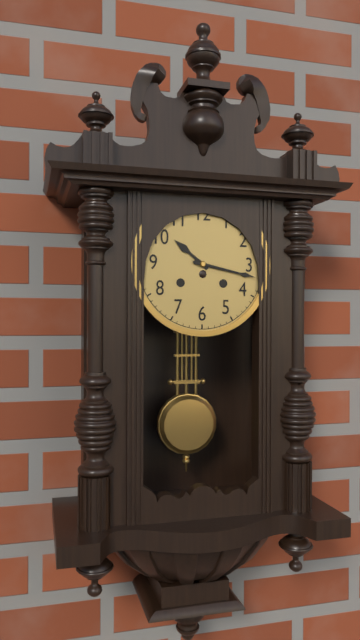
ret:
10:17
